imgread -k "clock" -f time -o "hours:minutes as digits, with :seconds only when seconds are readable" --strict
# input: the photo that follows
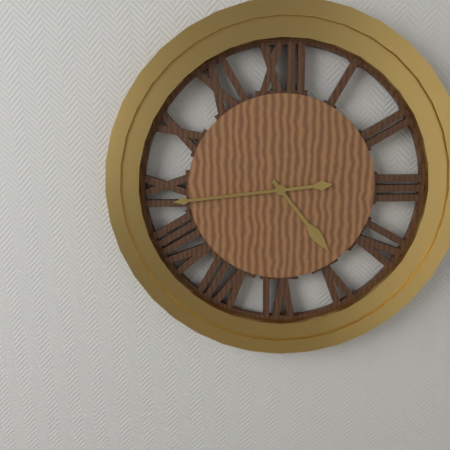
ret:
4:44
